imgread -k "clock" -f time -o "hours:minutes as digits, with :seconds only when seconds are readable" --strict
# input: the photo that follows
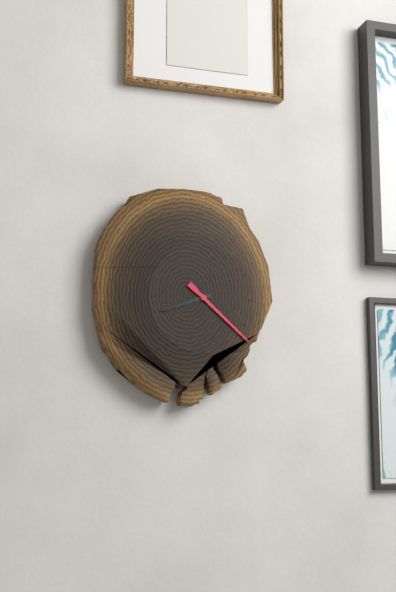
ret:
8:22
